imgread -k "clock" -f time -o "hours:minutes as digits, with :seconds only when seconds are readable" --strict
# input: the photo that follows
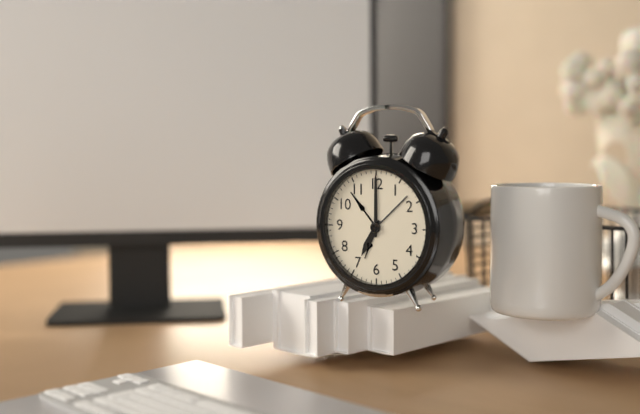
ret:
7:00
